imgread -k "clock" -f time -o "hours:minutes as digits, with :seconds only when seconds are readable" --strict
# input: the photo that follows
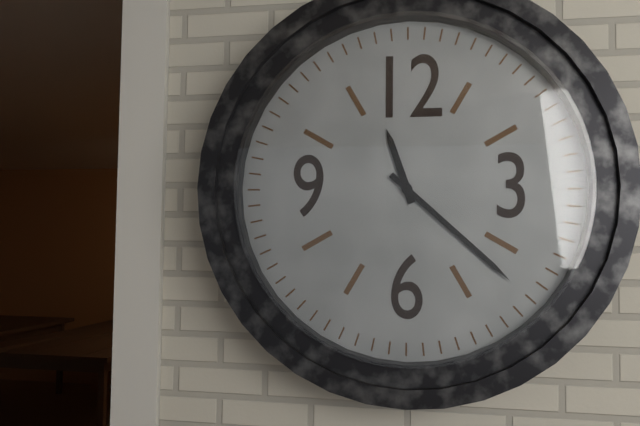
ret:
11:22
